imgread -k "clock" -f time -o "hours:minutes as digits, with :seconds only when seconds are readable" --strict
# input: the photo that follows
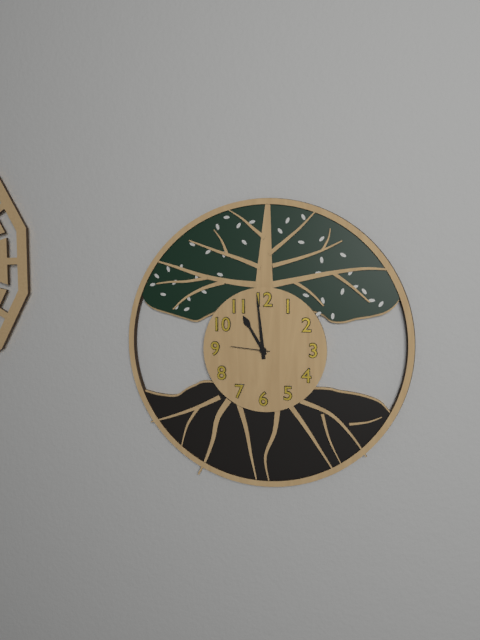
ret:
10:59
